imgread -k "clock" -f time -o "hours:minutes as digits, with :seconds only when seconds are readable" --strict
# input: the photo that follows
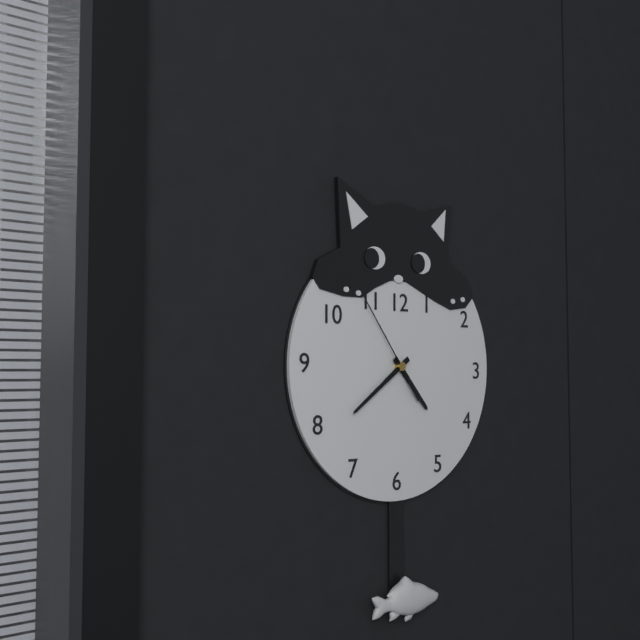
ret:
4:39:54
